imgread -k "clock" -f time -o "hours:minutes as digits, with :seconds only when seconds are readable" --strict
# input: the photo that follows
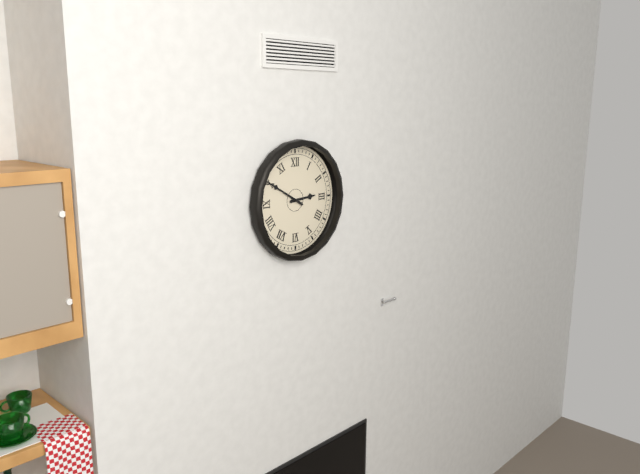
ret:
2:50
